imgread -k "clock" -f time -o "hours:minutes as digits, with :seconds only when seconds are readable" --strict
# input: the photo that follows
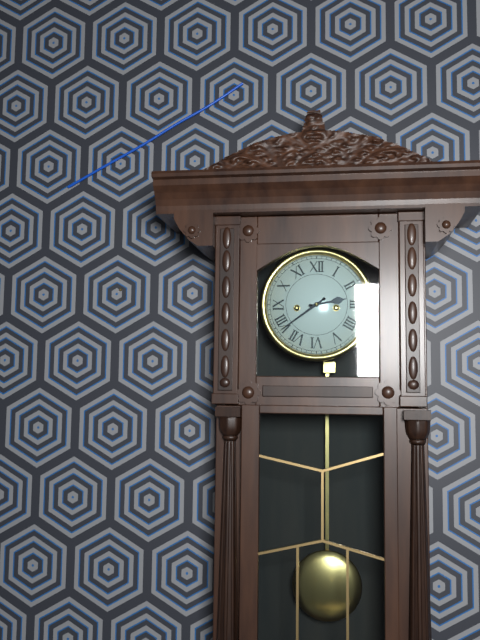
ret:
2:39
